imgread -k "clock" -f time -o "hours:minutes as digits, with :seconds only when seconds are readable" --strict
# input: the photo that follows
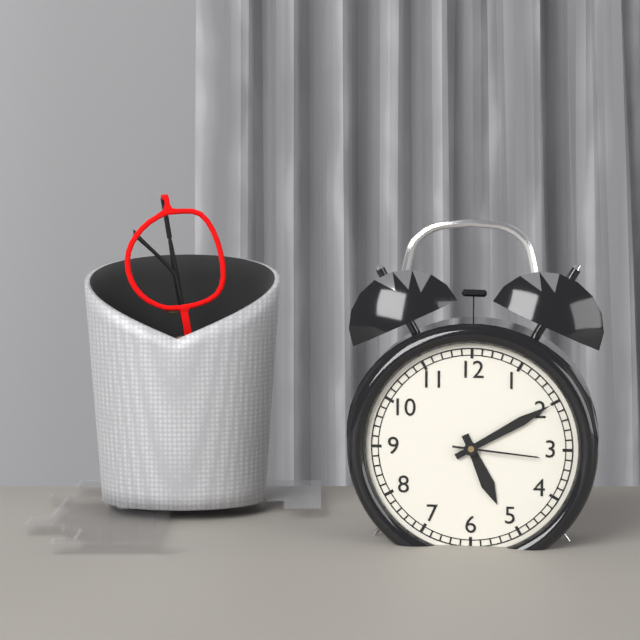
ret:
5:10:16
